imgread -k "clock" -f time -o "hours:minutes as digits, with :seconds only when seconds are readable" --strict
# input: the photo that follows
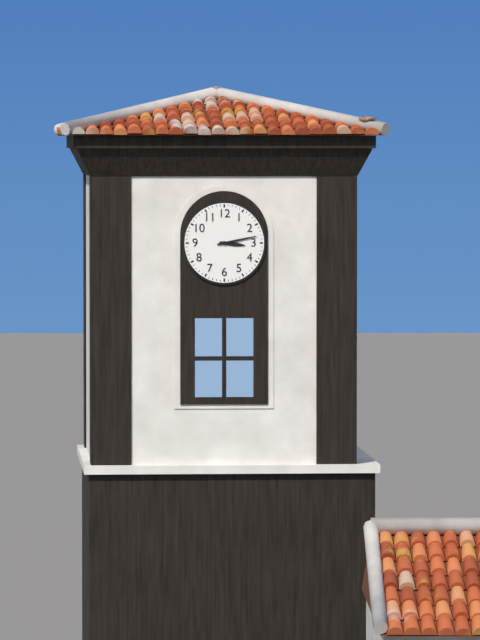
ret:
3:13
